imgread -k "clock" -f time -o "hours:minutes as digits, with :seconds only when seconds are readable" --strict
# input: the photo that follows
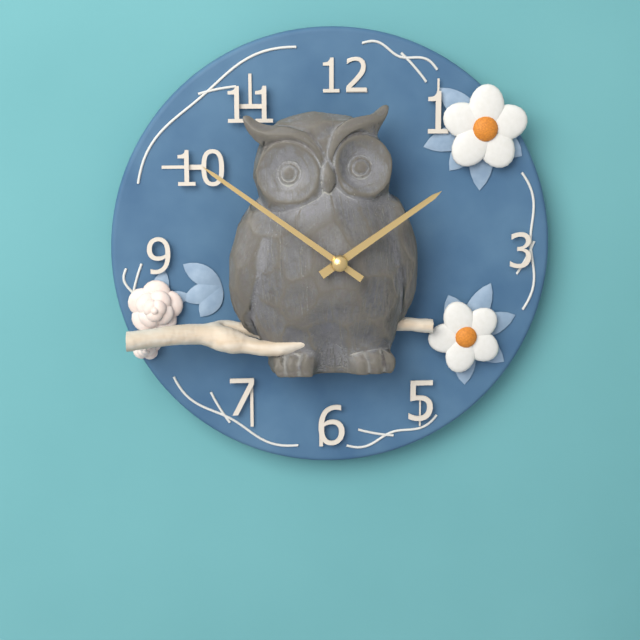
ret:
1:51
